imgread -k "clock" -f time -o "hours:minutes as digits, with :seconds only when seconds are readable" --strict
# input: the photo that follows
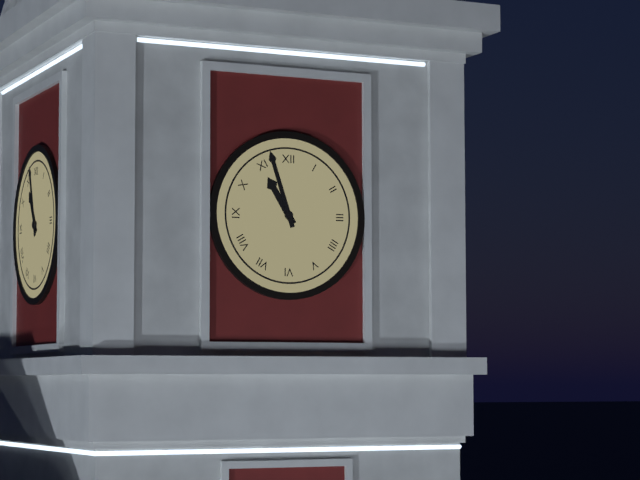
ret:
10:57
